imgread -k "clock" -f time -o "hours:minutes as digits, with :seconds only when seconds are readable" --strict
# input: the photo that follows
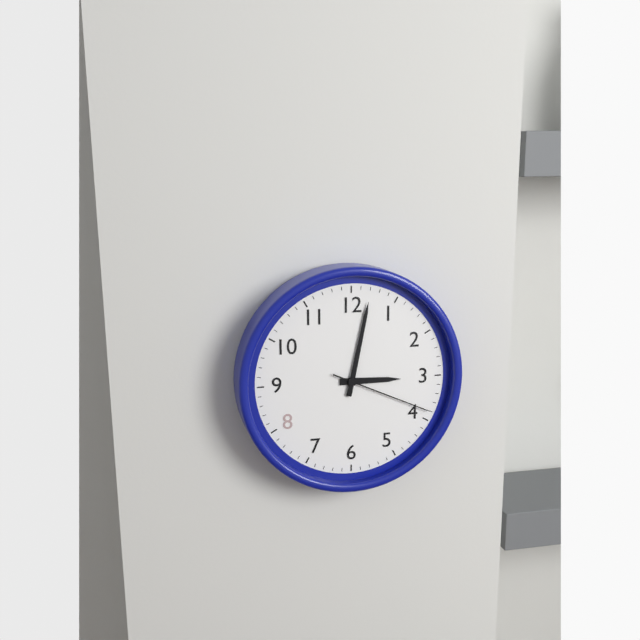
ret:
3:02:19
